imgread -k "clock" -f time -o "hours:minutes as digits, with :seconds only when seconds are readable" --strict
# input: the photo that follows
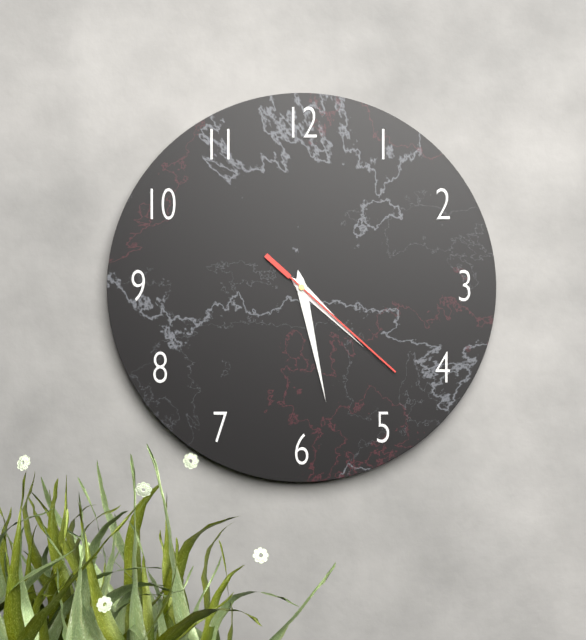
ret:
4:28:22
